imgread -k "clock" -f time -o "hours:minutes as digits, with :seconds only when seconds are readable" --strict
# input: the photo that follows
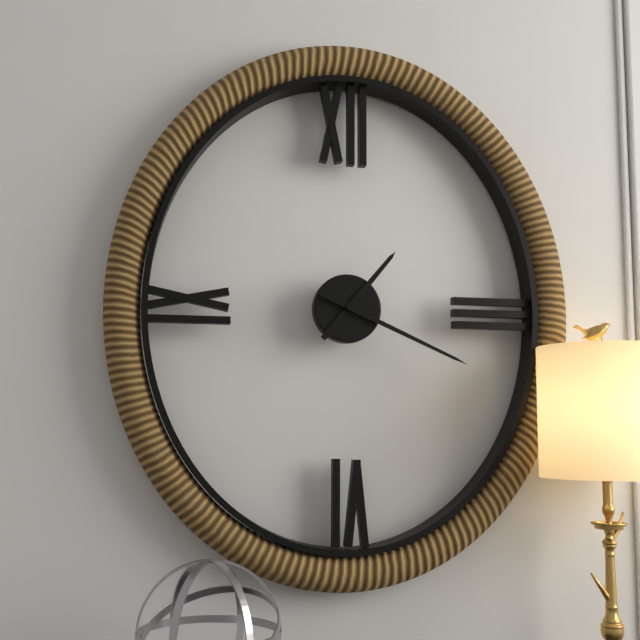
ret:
1:19
